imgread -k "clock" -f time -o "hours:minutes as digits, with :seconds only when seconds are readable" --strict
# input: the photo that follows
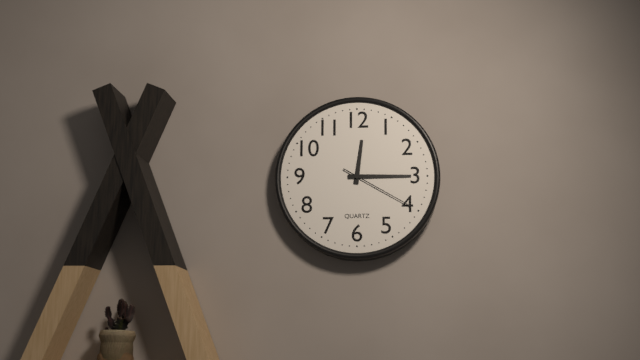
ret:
12:15:20
